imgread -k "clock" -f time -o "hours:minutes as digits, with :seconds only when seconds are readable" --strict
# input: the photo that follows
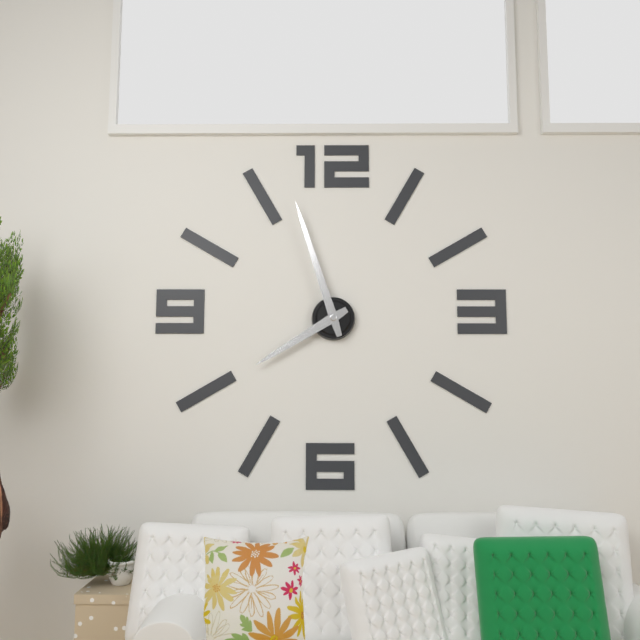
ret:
7:57
